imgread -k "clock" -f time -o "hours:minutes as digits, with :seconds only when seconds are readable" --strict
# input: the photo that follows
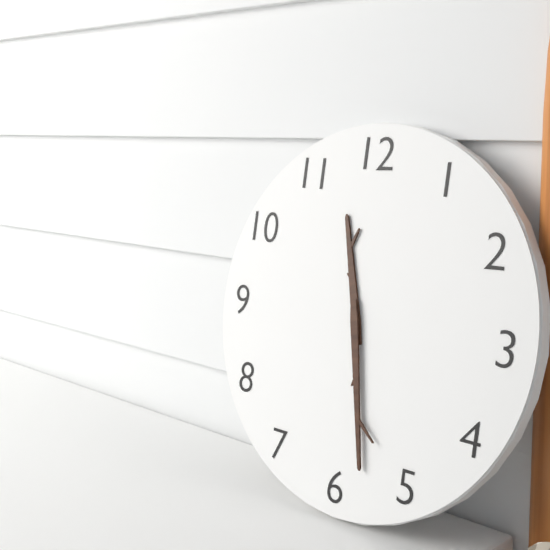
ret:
11:28
